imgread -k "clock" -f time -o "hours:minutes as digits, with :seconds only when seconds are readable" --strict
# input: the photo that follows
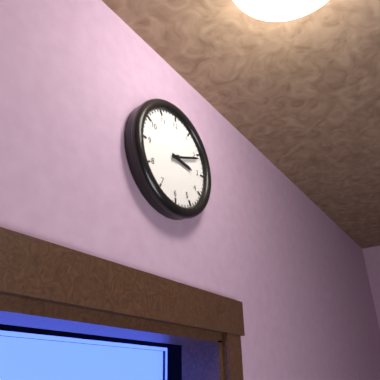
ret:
3:11
